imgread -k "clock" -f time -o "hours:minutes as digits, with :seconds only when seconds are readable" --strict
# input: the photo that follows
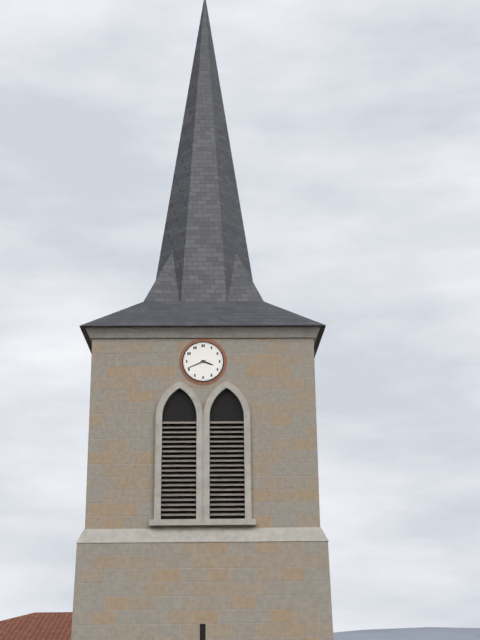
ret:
3:41
